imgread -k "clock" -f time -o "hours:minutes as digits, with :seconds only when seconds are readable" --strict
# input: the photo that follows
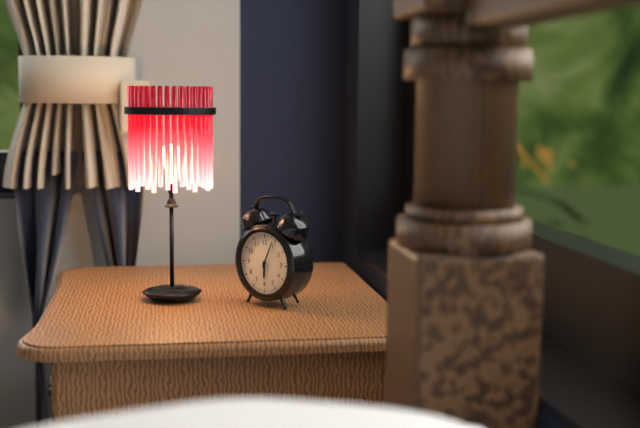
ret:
6:04
